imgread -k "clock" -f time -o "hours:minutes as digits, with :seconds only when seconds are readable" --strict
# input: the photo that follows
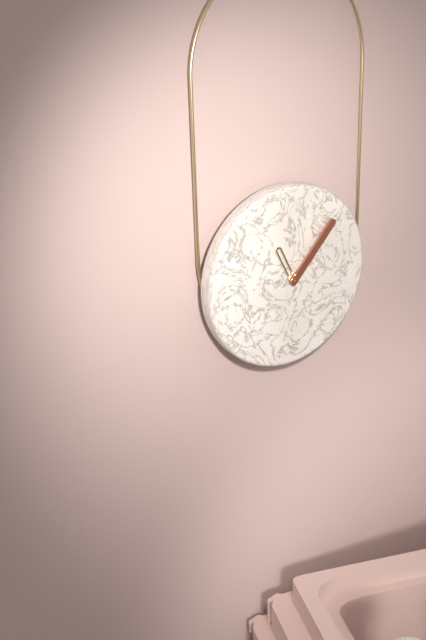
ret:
11:07
